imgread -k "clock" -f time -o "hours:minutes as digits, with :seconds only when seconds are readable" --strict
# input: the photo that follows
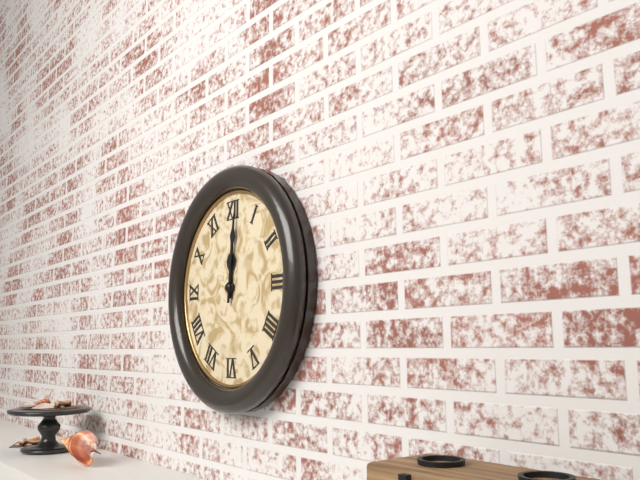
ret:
12:01
